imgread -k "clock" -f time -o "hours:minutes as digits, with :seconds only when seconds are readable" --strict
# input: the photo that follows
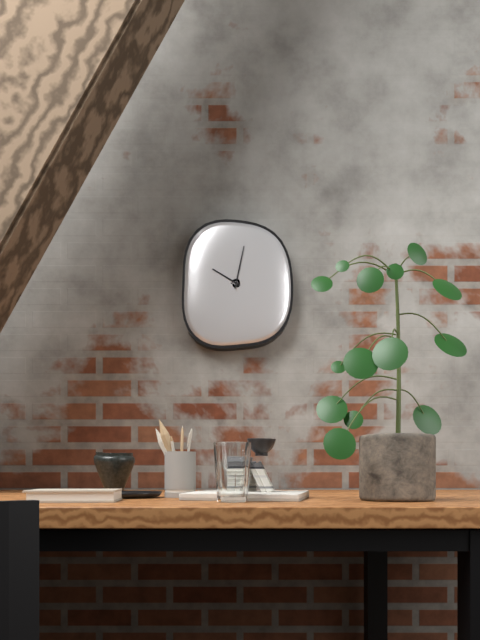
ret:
10:02
